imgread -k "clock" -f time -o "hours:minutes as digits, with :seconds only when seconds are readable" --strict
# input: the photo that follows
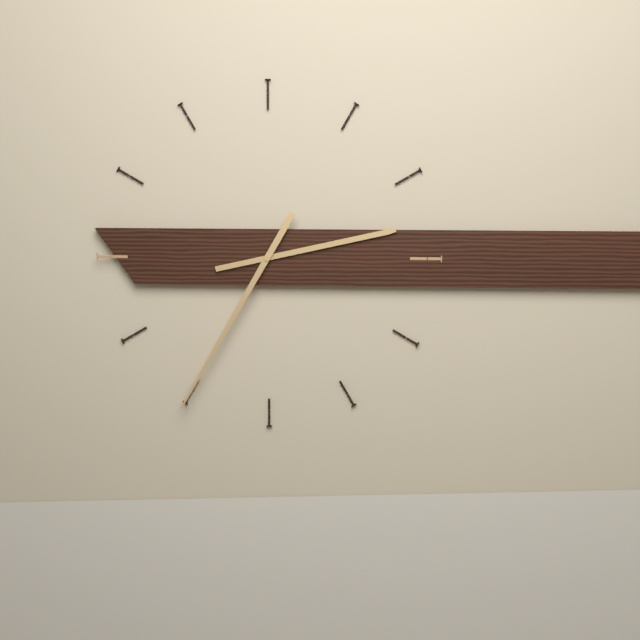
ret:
2:35
